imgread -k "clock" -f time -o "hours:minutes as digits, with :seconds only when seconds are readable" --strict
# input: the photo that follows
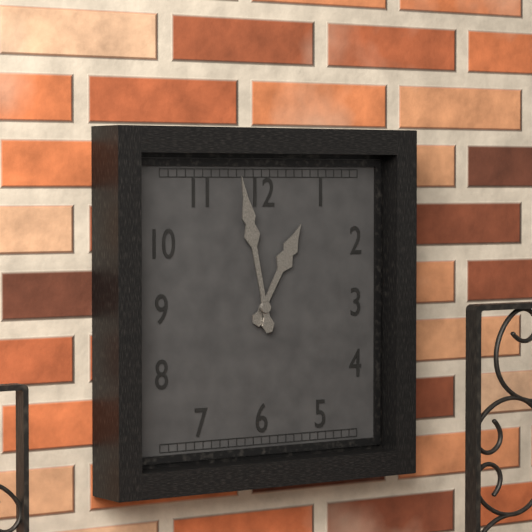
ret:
12:58
